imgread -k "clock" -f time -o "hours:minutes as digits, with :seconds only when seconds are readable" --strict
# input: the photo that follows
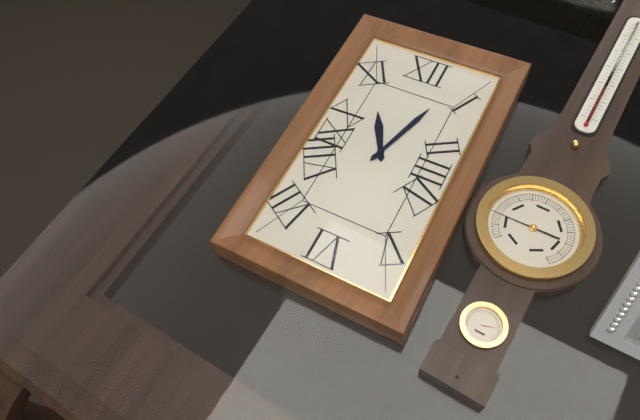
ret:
11:03
